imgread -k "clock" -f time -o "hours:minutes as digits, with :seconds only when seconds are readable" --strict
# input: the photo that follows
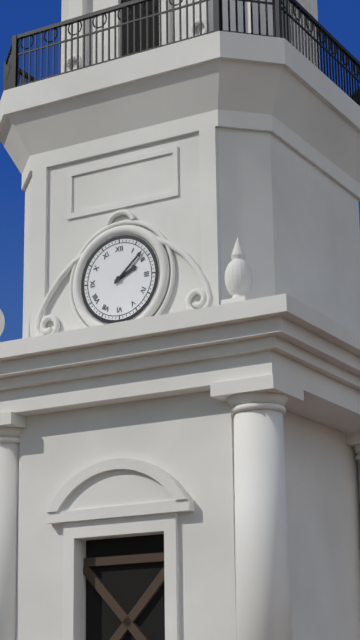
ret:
2:08
